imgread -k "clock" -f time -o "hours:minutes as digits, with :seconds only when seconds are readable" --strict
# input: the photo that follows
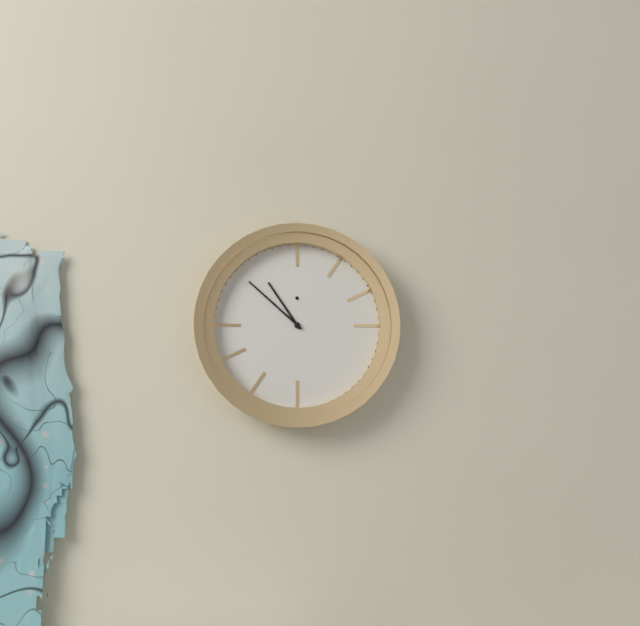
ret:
10:52
